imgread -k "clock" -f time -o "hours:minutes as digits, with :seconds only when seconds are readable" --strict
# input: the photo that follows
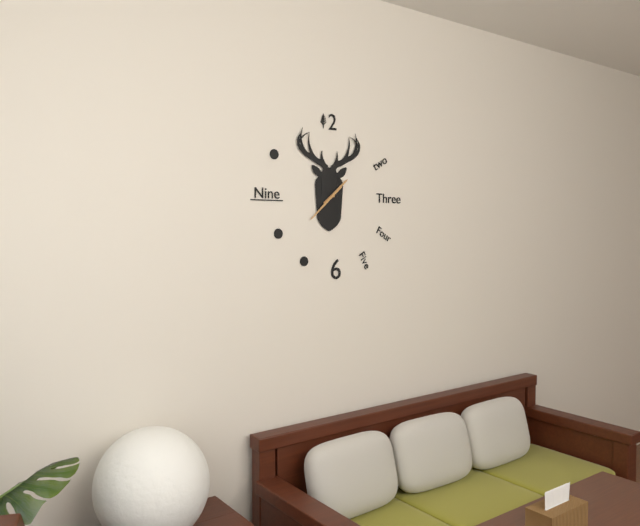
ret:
1:38
